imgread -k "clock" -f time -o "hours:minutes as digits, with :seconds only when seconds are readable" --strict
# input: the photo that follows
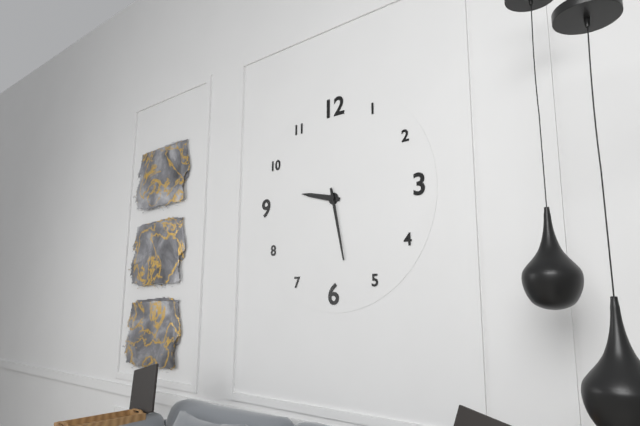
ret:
9:28
